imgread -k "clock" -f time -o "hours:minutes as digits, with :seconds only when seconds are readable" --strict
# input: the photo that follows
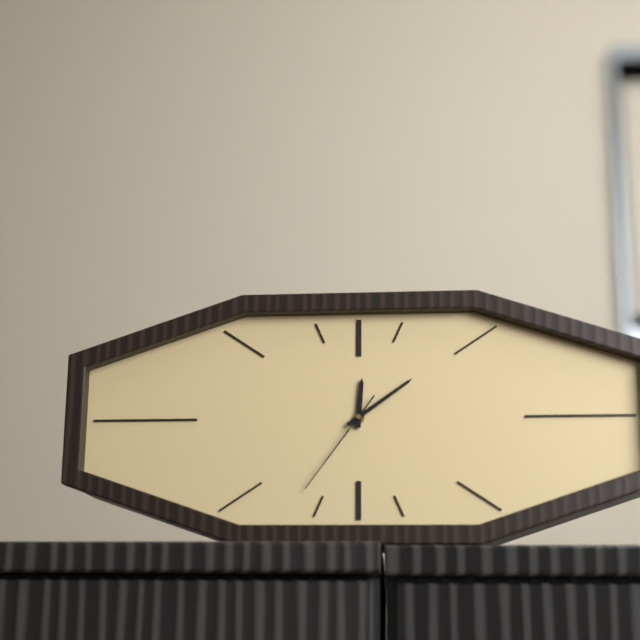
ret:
12:09:36
